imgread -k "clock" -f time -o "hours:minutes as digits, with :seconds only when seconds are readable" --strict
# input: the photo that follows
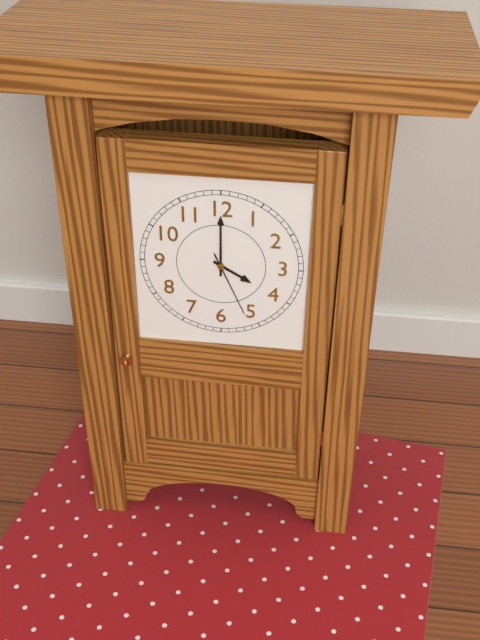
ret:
4:00:26
